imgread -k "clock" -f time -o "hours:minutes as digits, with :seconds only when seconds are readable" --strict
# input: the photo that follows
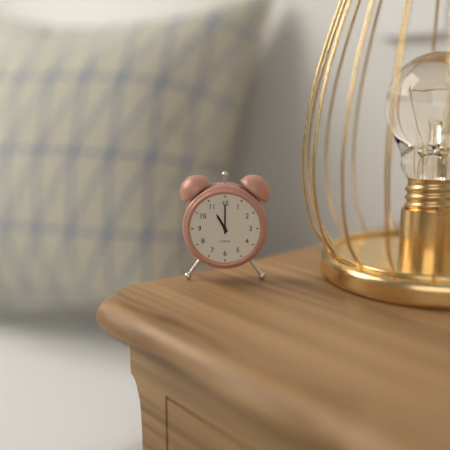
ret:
11:00
